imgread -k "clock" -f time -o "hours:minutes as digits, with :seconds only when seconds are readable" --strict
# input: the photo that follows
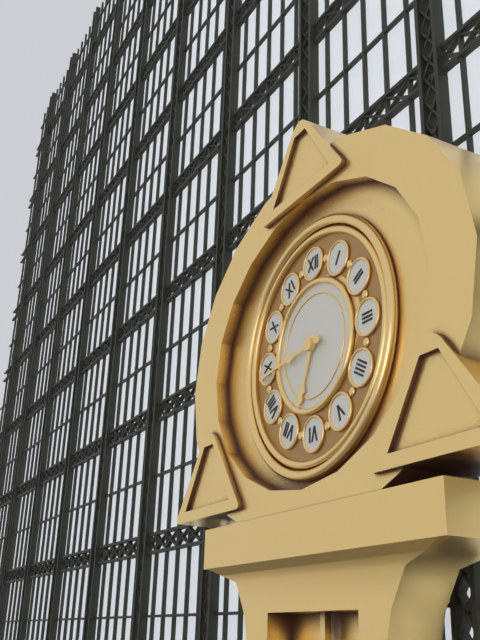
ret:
6:44
